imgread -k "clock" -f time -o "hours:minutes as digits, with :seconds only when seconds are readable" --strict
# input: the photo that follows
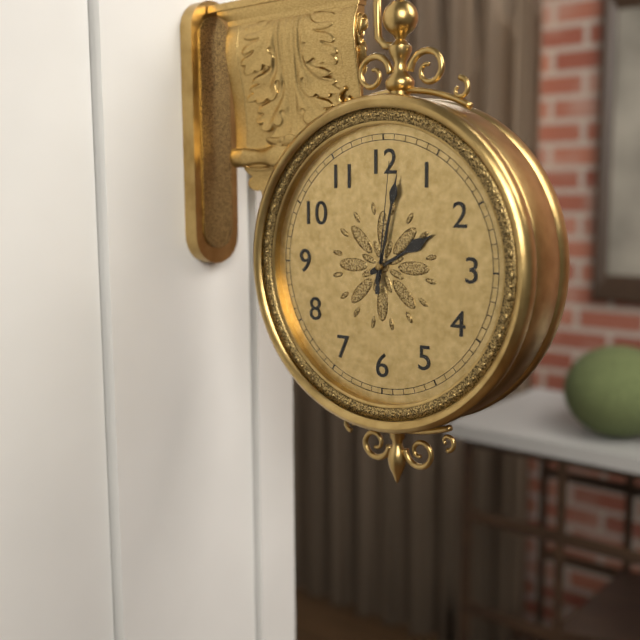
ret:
2:02:01
